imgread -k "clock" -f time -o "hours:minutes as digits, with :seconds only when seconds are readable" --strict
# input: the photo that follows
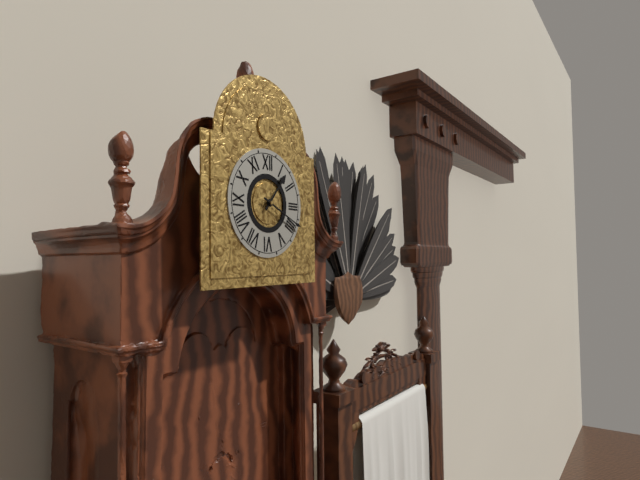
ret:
1:19
